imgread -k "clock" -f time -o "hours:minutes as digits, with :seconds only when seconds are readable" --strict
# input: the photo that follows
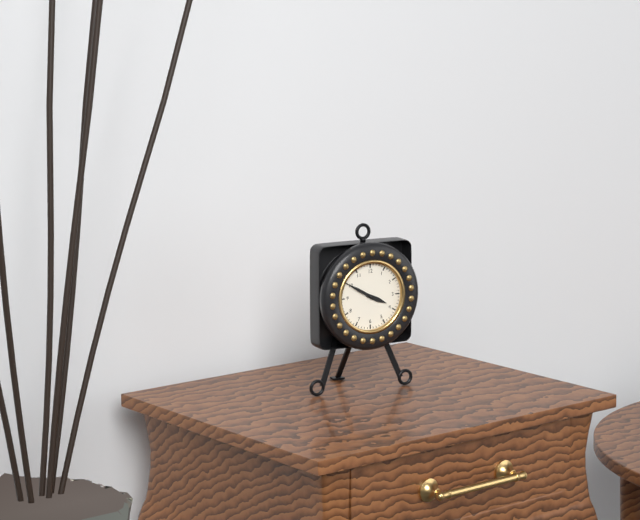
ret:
3:50
